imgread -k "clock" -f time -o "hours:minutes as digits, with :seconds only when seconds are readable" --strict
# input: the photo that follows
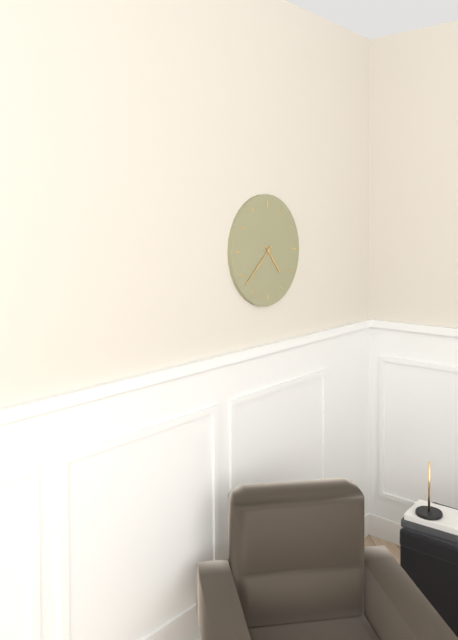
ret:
4:38
